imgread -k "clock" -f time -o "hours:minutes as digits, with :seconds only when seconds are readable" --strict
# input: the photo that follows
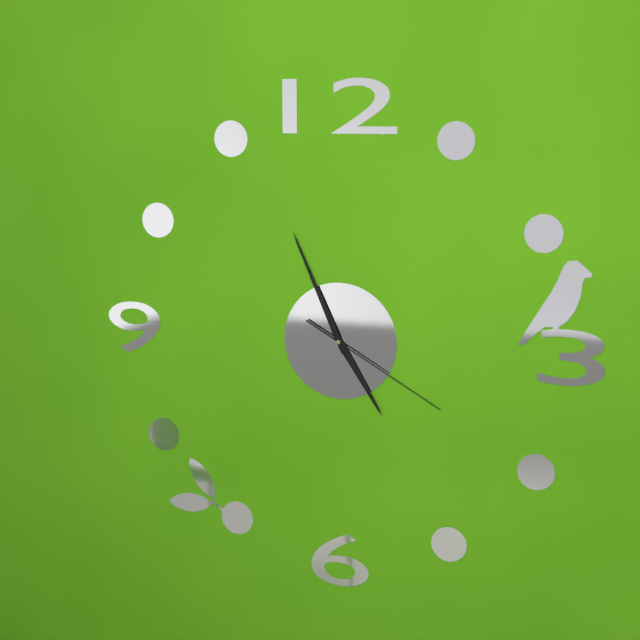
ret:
4:56:20
